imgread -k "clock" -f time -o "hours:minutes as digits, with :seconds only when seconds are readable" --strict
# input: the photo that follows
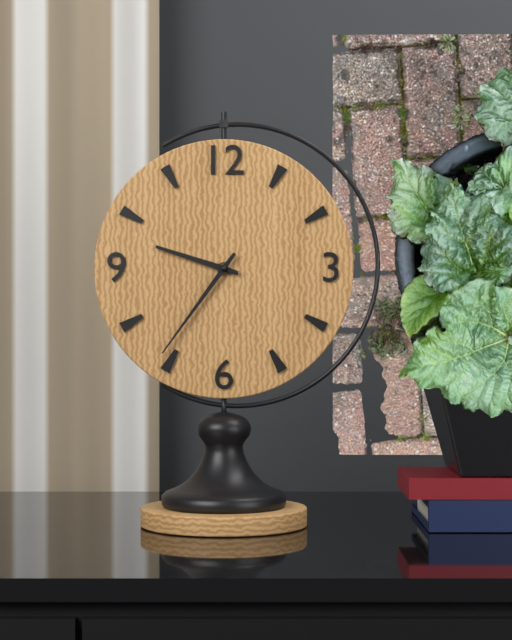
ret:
9:36
